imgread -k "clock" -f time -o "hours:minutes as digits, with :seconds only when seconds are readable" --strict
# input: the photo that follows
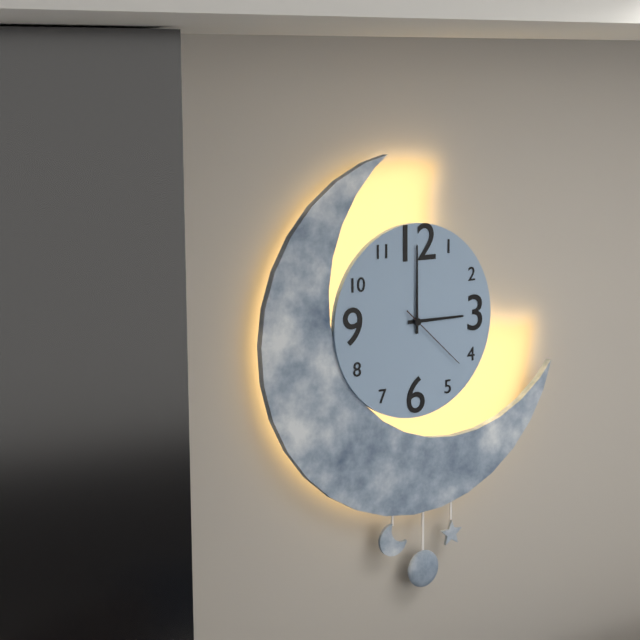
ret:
3:00:22
